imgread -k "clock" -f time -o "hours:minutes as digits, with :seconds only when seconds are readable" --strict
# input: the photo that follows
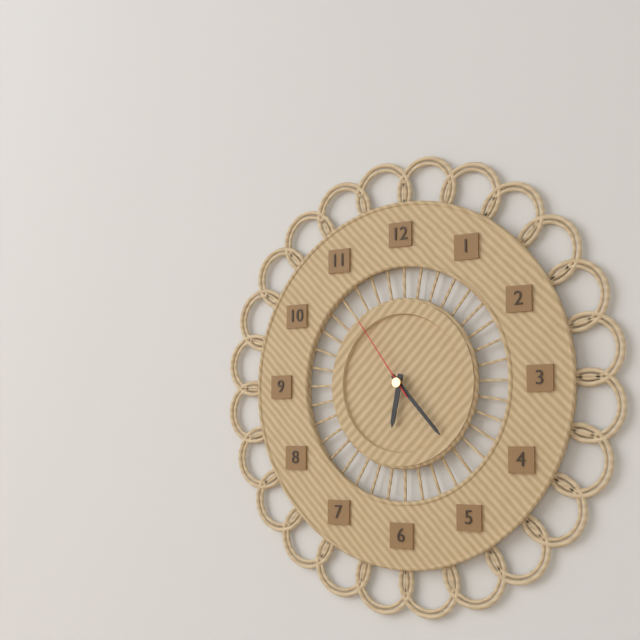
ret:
6:23:54
